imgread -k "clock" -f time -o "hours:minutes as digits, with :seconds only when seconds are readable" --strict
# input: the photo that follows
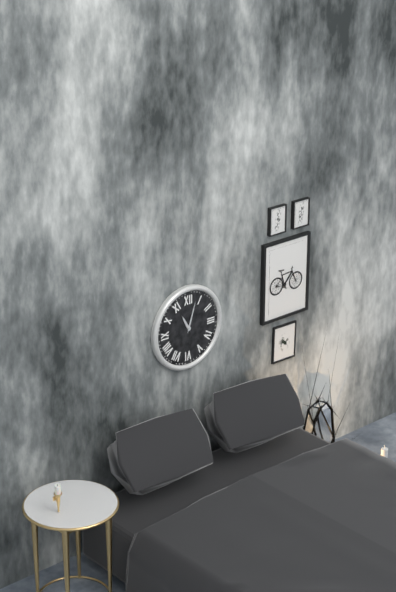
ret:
11:03
